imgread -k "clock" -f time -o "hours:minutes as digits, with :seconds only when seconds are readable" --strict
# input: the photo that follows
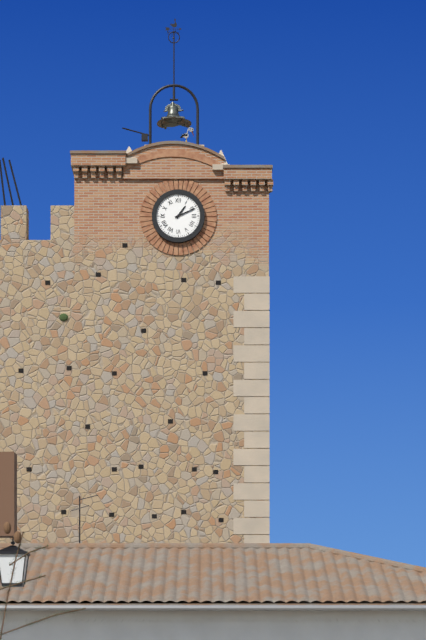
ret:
1:11
